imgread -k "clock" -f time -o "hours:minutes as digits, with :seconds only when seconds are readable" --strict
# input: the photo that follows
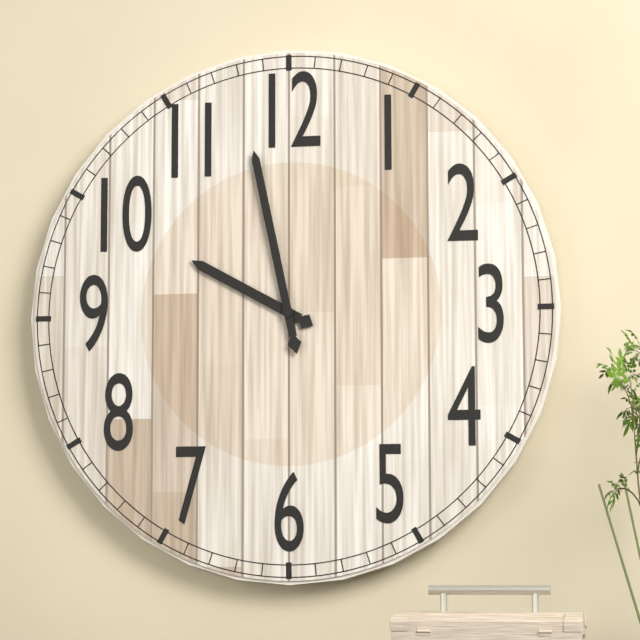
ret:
9:58
